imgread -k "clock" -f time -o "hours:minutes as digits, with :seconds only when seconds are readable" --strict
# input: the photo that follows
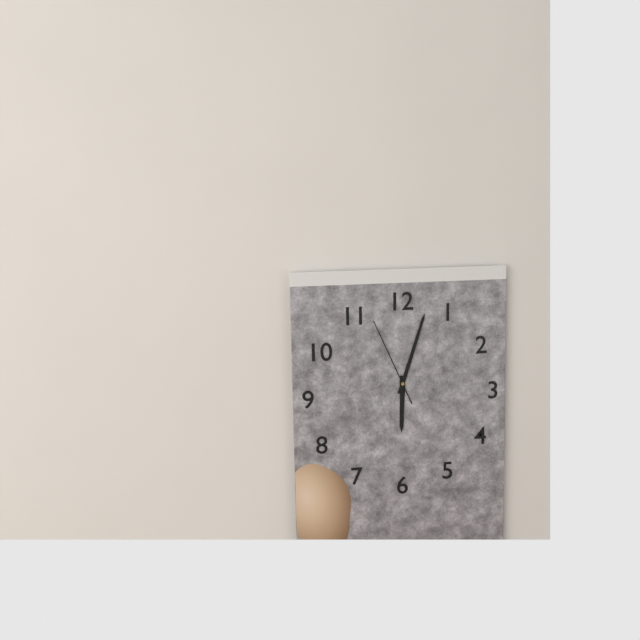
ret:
6:03:56
